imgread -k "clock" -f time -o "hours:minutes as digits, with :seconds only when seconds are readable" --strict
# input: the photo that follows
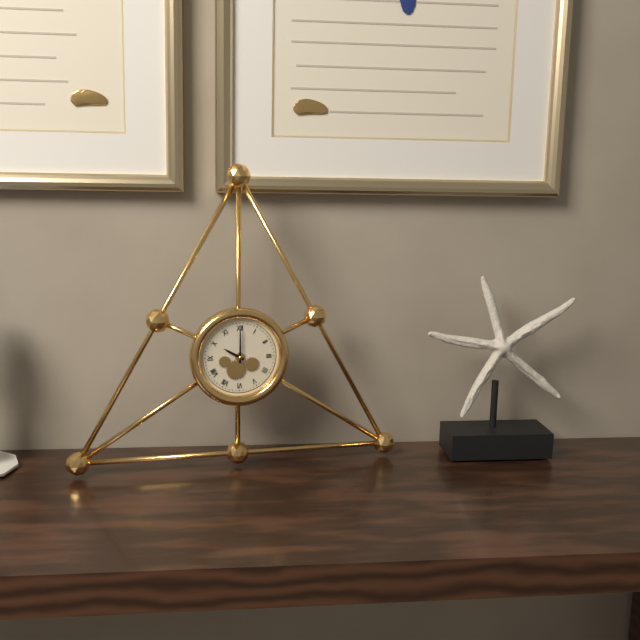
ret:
10:00
